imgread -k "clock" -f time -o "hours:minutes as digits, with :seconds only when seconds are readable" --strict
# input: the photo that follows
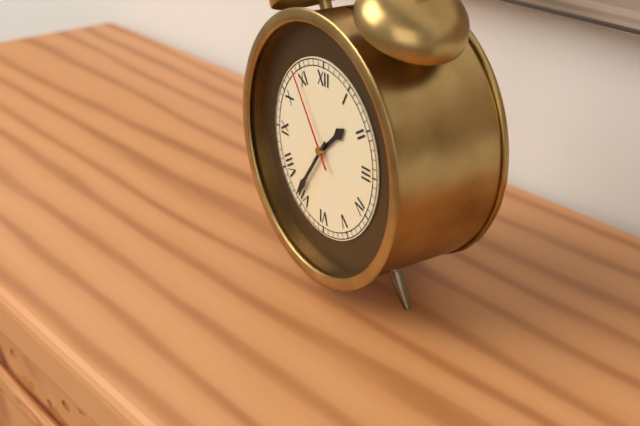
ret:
1:36:54
